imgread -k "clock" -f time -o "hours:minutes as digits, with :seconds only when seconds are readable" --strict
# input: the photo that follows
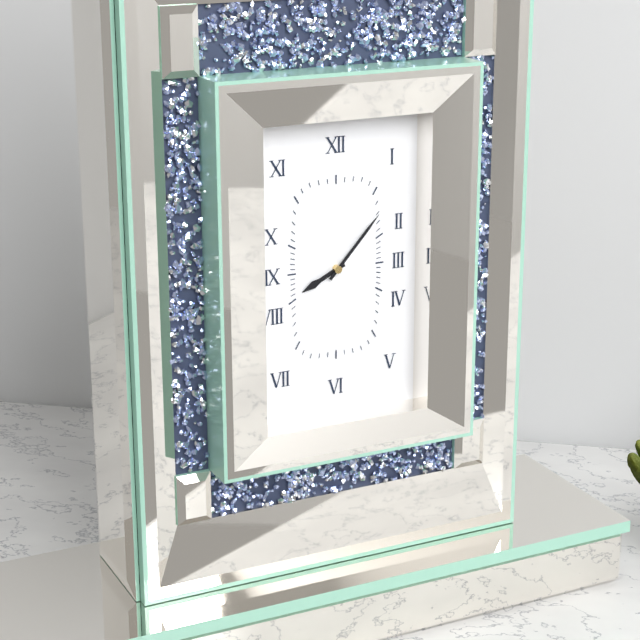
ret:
8:07
